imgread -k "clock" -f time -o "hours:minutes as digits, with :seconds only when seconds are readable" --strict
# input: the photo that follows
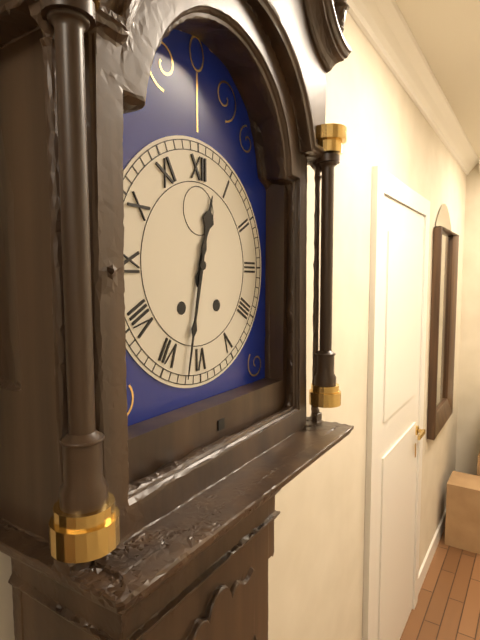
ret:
12:32
